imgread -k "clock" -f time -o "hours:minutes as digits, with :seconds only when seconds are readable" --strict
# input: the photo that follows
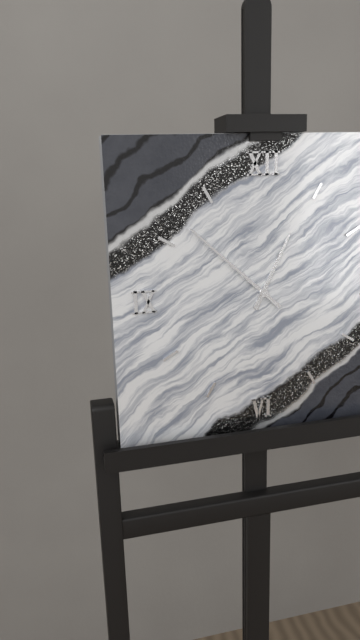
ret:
12:52
